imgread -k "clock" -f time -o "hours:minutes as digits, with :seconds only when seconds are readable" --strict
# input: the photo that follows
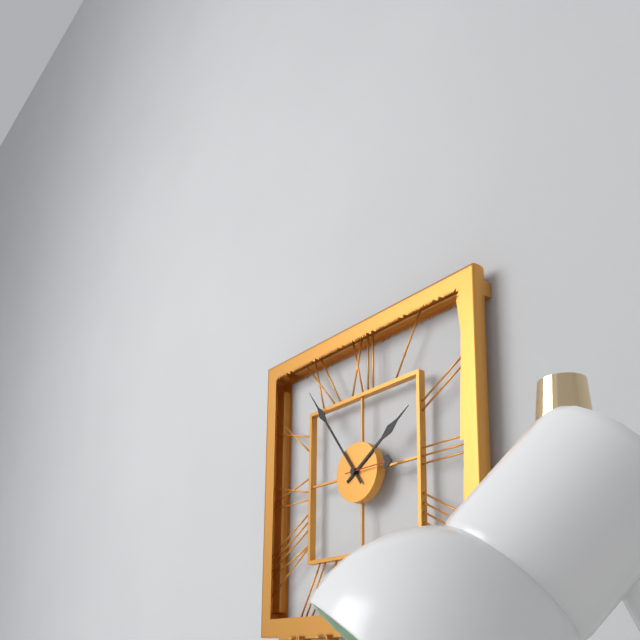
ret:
1:54:15
